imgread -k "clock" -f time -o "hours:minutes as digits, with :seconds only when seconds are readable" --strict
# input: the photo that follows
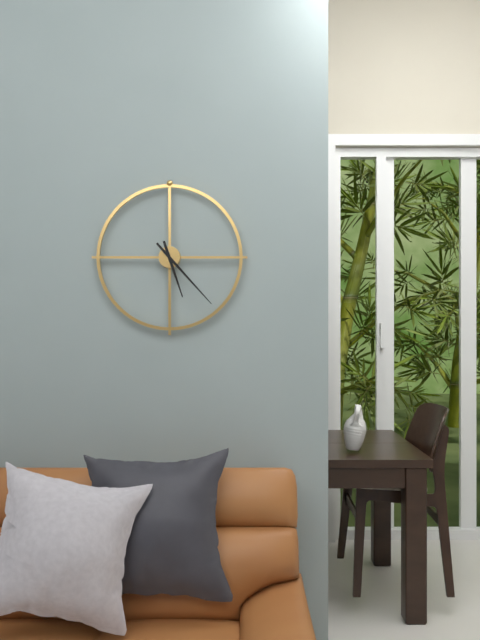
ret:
5:23
